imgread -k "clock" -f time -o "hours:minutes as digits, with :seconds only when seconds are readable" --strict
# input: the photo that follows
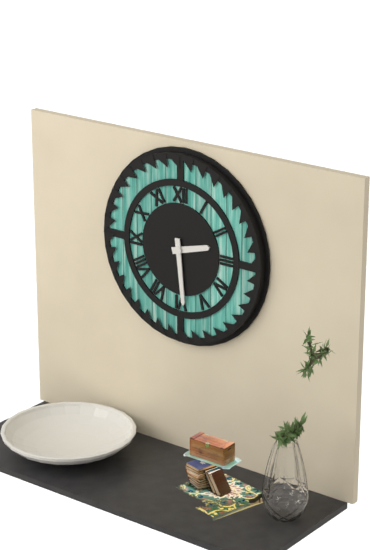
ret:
2:29
